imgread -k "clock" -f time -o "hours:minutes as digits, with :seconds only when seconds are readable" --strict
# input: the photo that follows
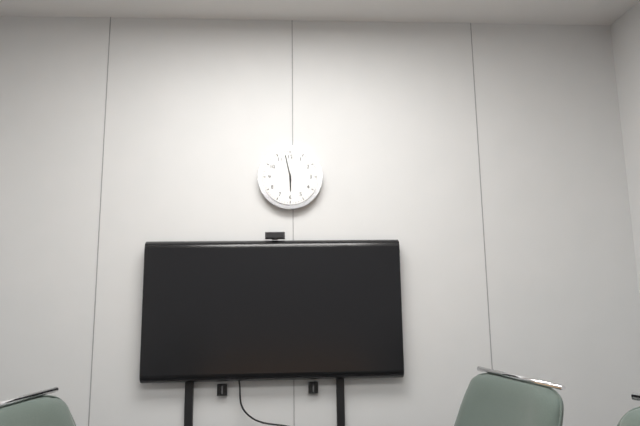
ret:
5:58
